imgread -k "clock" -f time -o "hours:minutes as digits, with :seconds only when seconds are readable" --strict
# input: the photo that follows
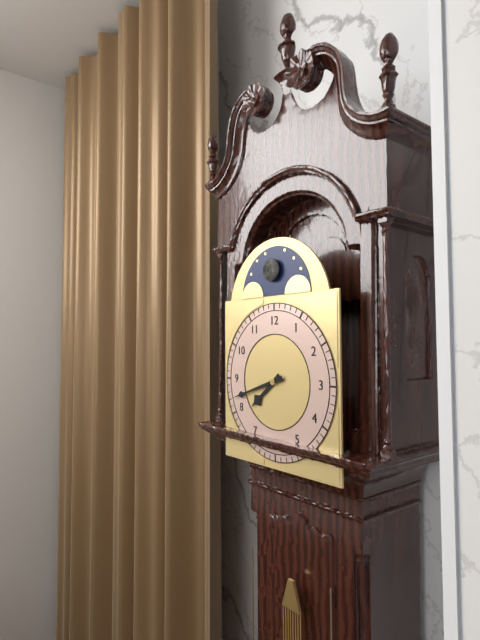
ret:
7:42
